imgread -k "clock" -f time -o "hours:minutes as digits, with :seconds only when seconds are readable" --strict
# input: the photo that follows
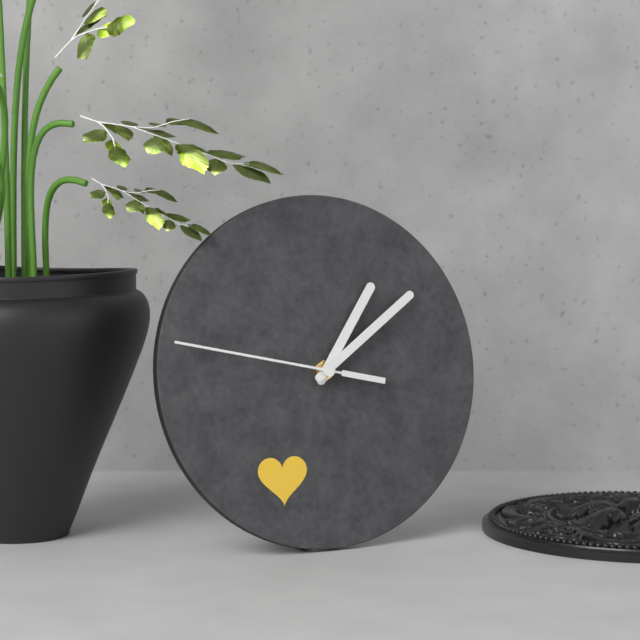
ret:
1:09:47
